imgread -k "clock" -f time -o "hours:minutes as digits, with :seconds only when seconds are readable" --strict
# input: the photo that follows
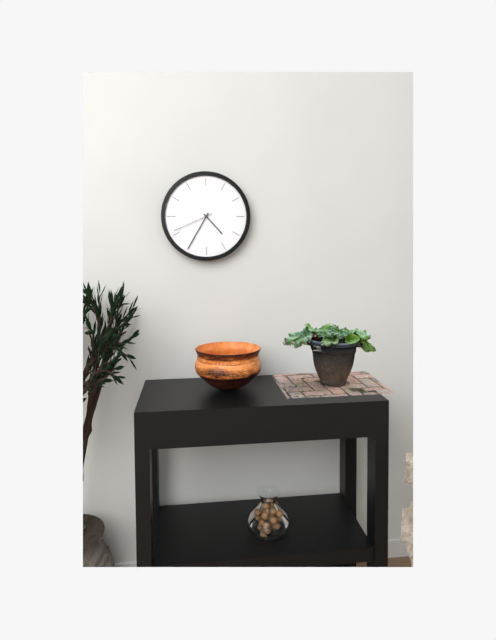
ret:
4:35
